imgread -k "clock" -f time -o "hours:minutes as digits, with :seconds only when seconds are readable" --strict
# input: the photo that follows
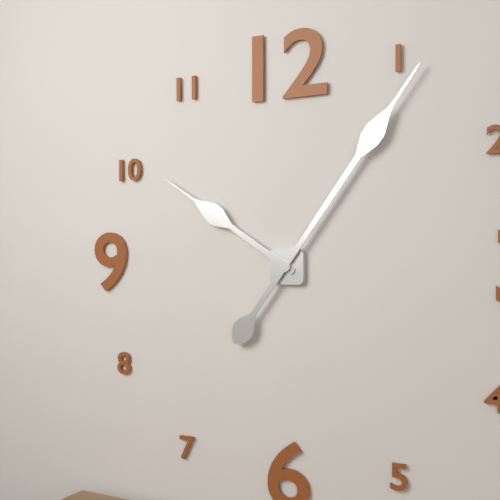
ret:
10:06
